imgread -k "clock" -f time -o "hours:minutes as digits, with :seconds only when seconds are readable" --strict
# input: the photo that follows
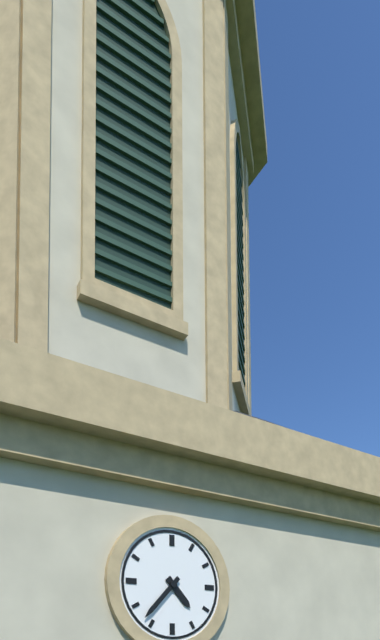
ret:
4:37
